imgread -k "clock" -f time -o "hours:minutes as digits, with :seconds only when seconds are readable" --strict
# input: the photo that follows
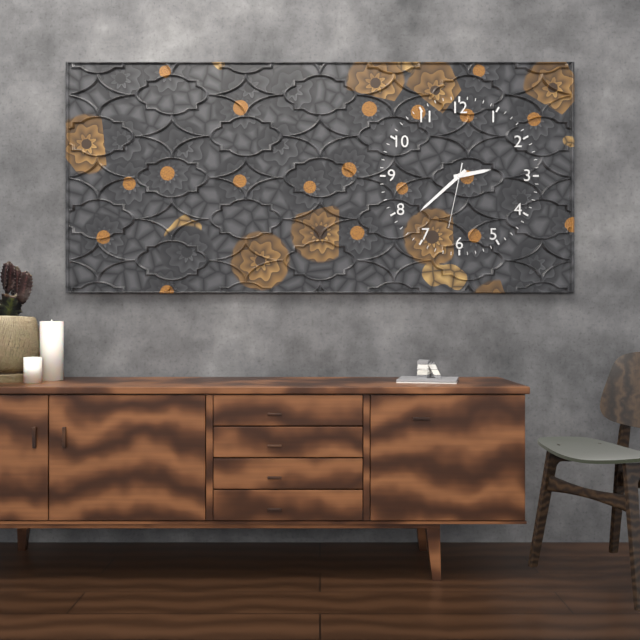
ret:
2:38:32
